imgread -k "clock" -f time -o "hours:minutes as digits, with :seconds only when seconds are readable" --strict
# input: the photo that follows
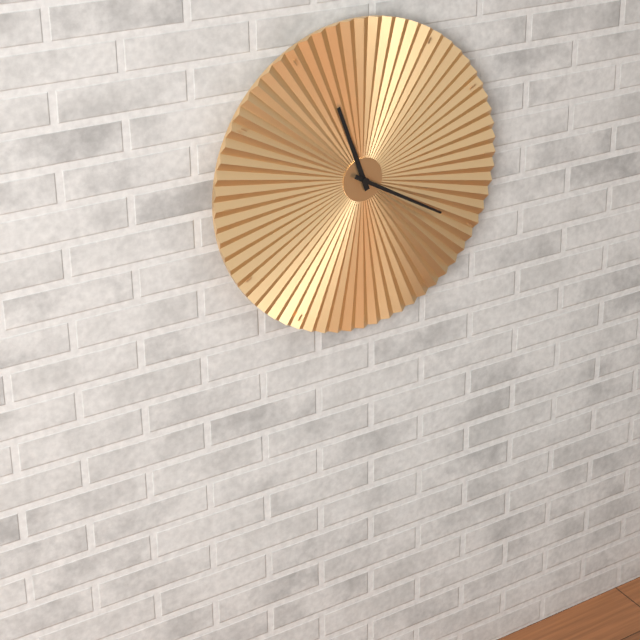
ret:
11:20
